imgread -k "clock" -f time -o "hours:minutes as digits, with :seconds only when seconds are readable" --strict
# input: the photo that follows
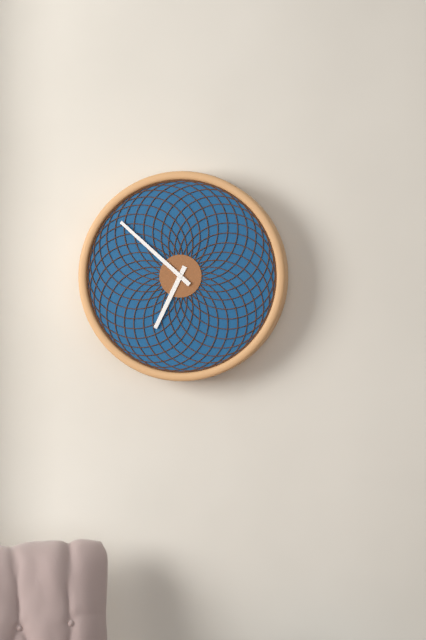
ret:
6:52
